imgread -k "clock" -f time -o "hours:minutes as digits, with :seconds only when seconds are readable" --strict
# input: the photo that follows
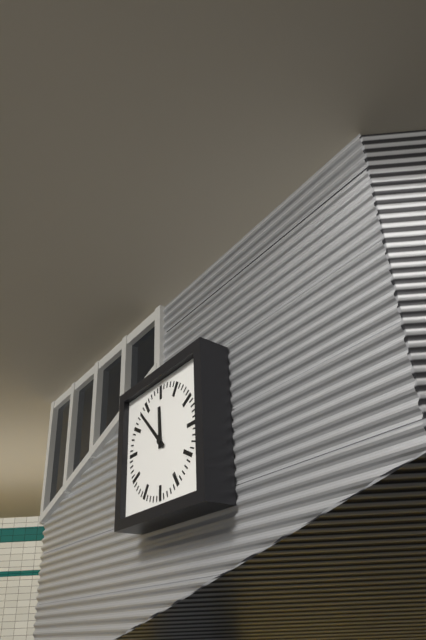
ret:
11:53
